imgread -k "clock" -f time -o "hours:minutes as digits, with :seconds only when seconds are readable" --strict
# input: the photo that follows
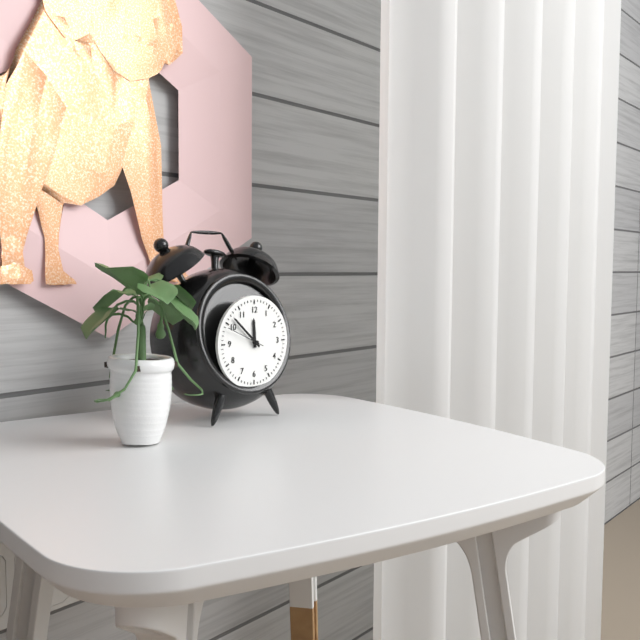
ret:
11:52
